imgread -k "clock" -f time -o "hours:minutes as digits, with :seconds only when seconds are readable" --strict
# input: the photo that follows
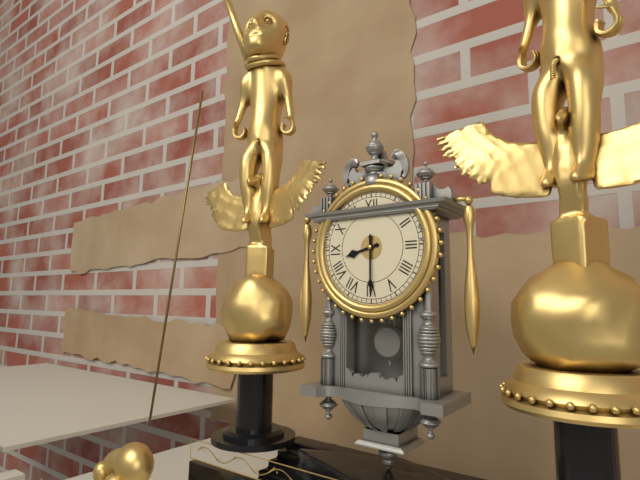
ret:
8:30
